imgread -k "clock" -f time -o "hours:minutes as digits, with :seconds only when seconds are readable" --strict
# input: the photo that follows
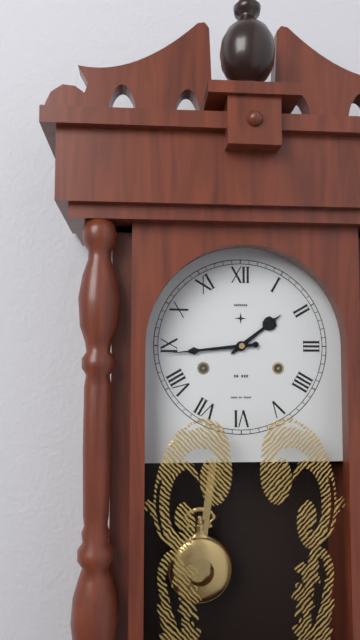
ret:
1:44
